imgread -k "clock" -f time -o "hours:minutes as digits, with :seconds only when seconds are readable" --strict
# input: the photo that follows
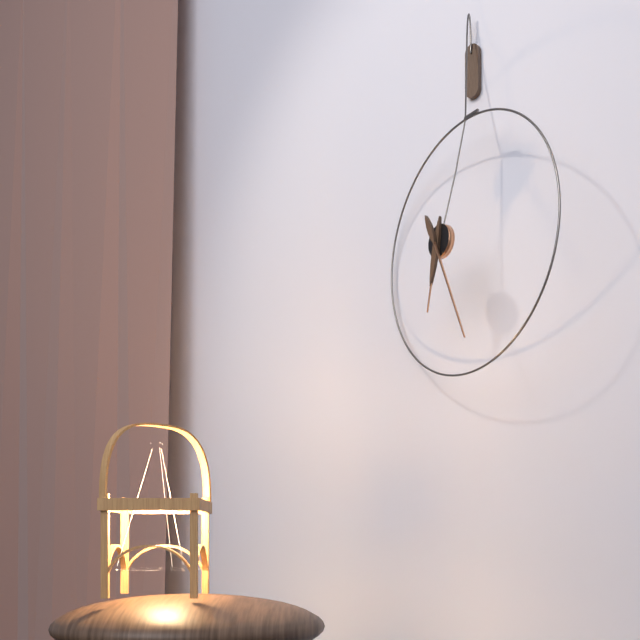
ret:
6:26
